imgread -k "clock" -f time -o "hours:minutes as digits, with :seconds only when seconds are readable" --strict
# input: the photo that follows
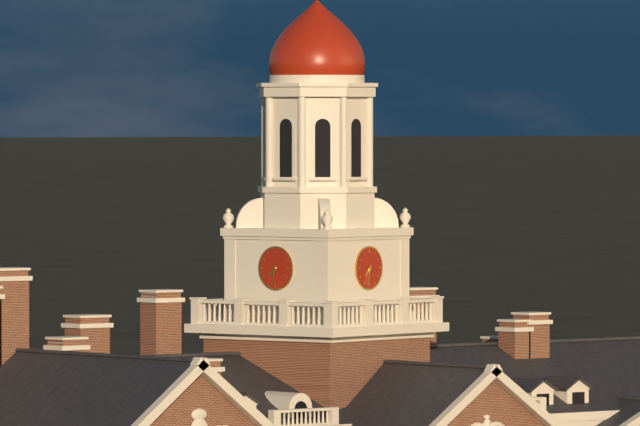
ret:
7:32
